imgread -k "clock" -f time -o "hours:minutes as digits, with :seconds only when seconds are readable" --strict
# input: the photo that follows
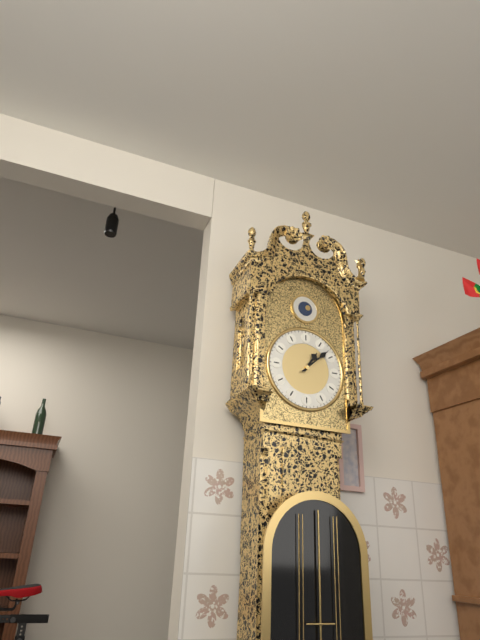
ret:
1:08
